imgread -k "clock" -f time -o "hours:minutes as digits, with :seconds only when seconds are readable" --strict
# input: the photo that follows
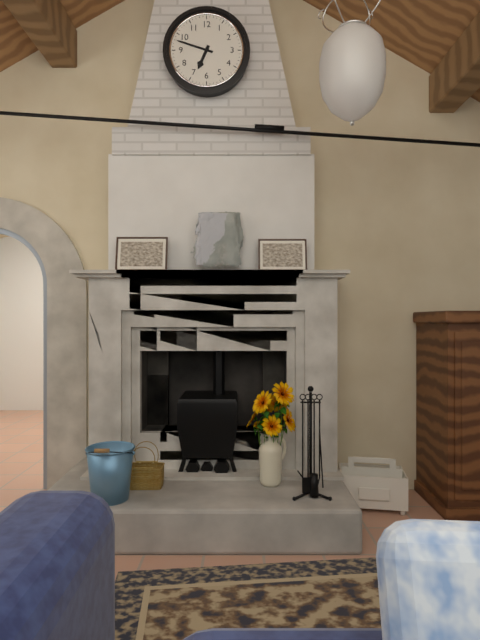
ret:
6:48
